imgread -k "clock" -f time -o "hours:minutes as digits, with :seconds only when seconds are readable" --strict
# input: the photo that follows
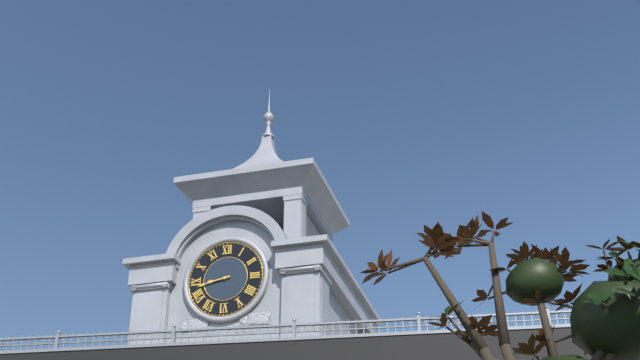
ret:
8:43
